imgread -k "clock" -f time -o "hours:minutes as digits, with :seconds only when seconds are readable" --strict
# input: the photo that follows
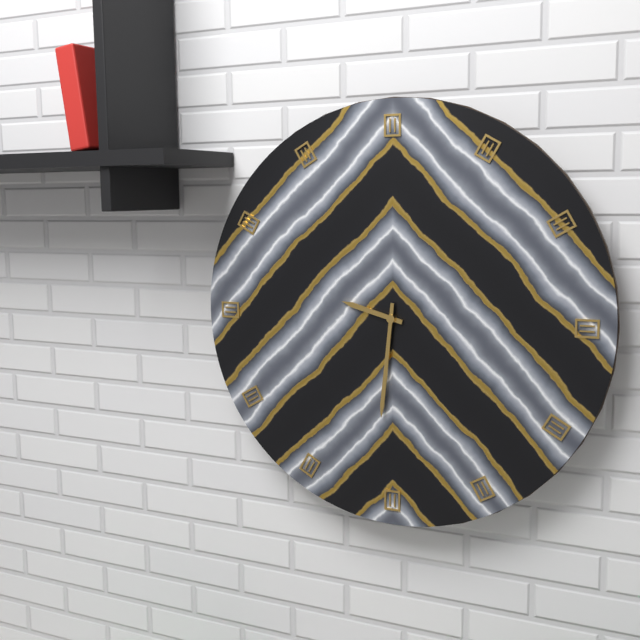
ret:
9:31
